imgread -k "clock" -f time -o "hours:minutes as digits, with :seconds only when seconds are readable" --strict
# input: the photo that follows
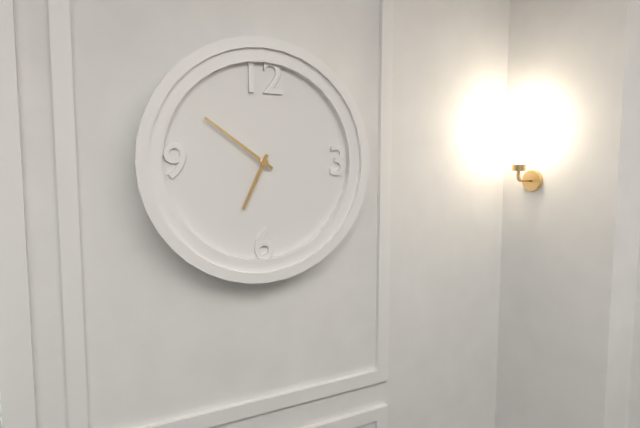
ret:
6:51
